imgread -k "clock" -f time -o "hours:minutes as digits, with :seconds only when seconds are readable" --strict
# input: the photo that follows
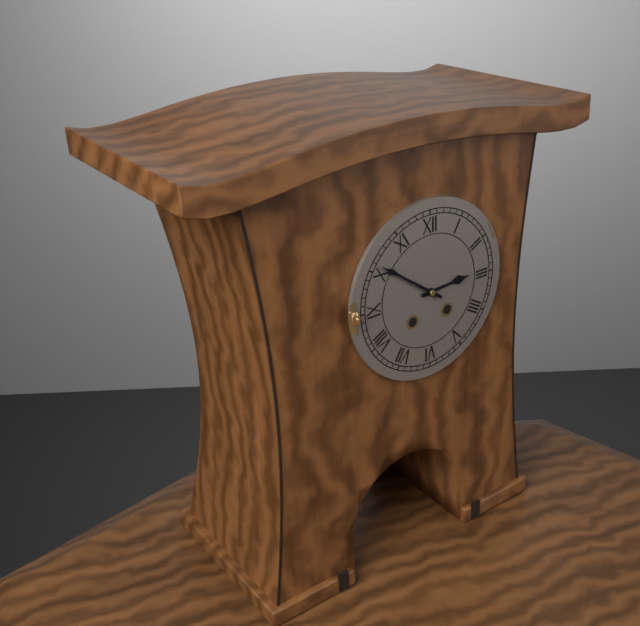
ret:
2:51
